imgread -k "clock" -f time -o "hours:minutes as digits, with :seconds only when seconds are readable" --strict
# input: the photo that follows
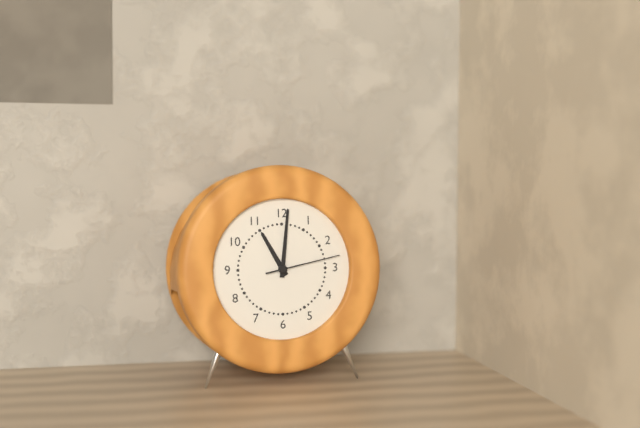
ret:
11:01:13
